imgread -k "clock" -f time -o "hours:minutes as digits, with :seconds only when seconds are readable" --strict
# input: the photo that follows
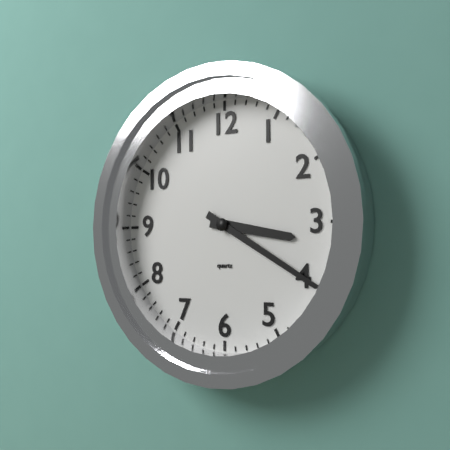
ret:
3:20
